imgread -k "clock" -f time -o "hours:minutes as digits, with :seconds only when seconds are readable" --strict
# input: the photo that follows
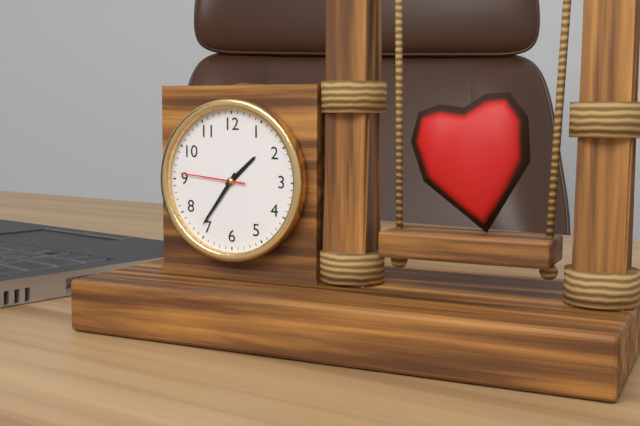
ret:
1:36:46
